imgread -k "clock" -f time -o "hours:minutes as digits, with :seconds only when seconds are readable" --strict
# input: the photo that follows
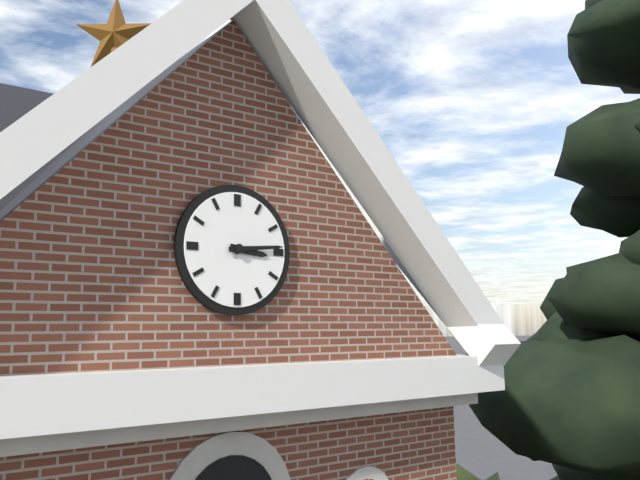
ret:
3:14
